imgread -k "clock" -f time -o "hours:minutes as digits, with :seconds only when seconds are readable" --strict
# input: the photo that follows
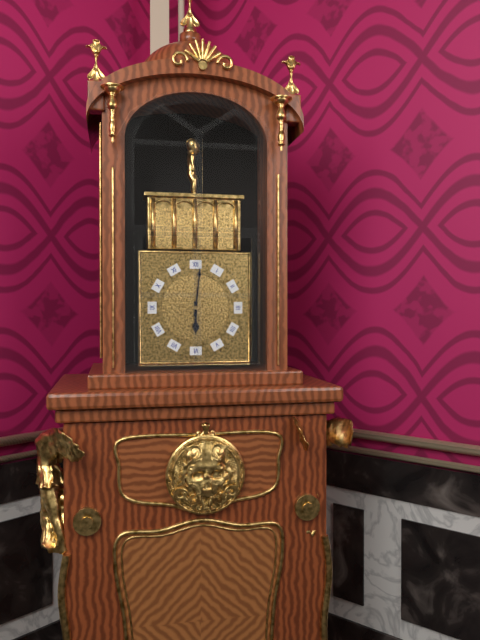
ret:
6:01
